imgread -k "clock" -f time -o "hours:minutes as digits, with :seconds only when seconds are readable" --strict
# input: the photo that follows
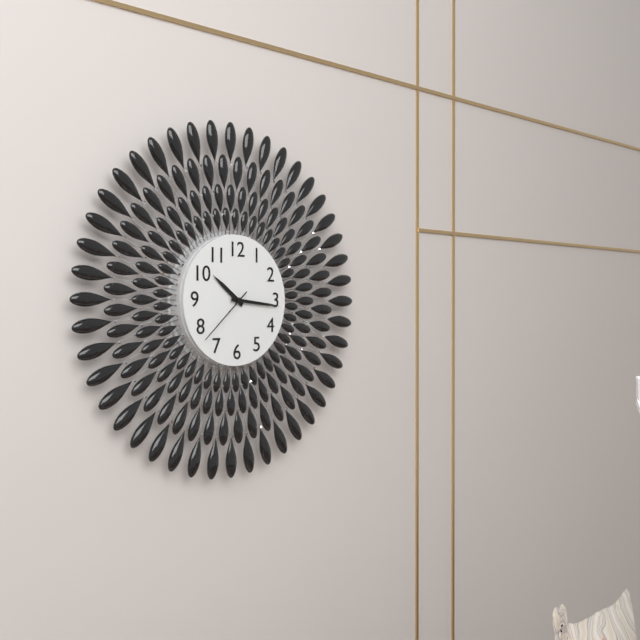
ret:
10:16:38
